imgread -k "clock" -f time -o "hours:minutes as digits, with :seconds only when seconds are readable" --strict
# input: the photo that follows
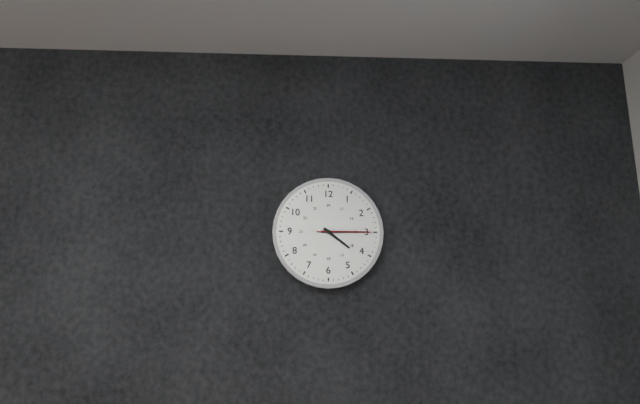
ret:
4:15:15
